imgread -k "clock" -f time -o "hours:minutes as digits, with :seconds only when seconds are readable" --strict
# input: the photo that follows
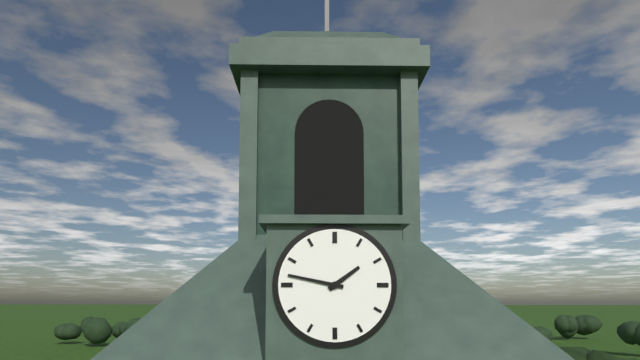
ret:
1:47
